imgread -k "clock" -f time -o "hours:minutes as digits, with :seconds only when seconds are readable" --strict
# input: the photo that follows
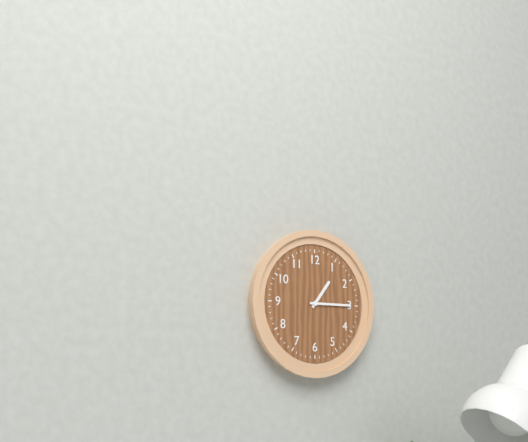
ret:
1:15
